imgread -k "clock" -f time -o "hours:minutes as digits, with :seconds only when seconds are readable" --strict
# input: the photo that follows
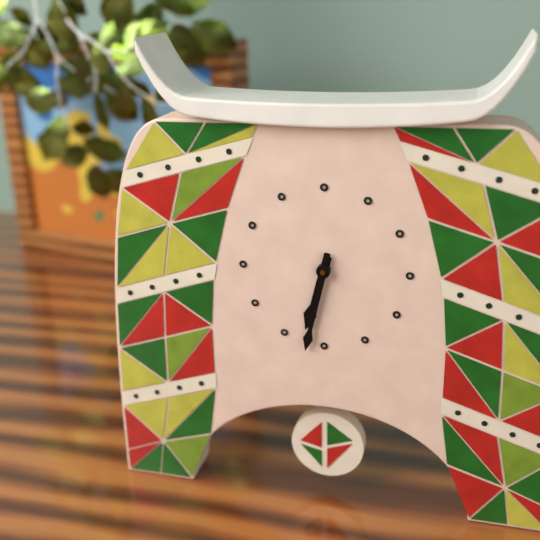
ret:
6:32
